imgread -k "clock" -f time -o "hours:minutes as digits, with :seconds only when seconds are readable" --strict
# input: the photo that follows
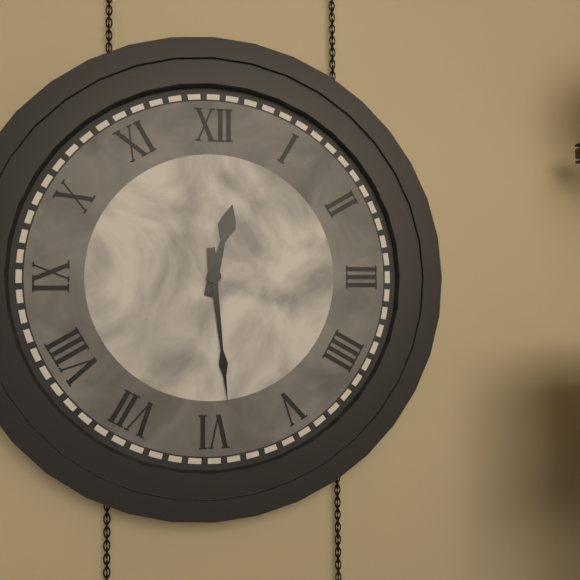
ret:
12:29
